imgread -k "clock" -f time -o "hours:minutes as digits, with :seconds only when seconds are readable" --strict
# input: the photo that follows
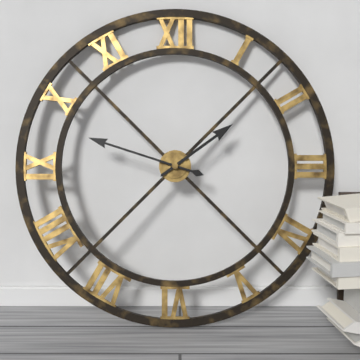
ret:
1:48
